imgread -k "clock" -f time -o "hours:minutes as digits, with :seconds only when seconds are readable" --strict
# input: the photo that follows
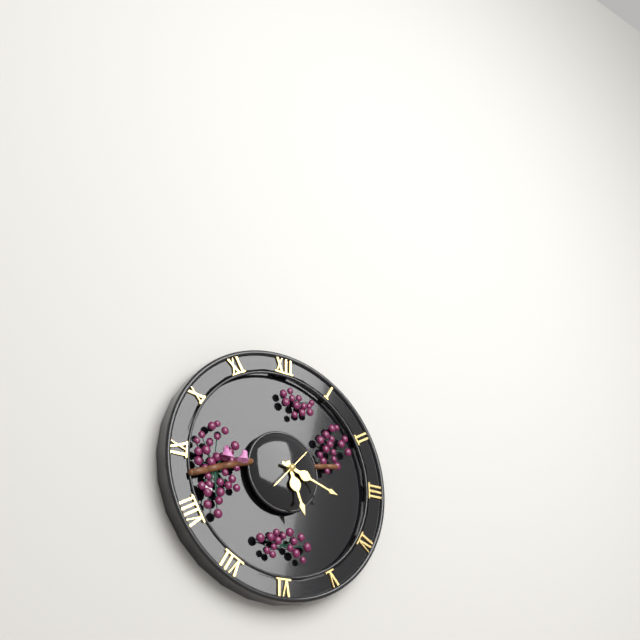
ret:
5:18
